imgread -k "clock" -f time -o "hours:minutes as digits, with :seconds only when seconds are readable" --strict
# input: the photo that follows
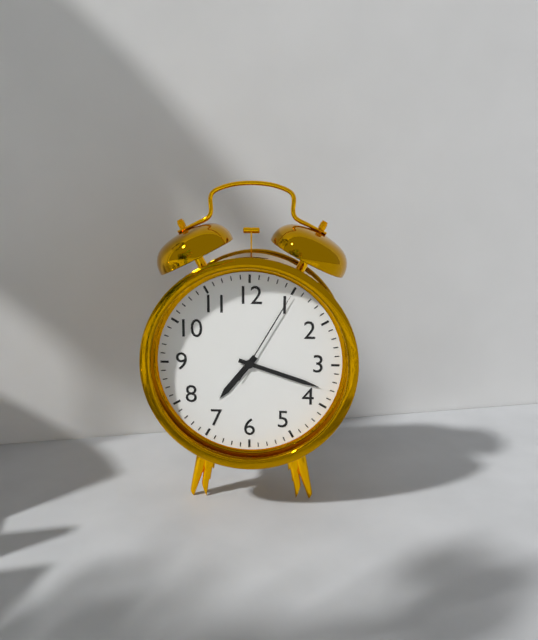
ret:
7:18:05
